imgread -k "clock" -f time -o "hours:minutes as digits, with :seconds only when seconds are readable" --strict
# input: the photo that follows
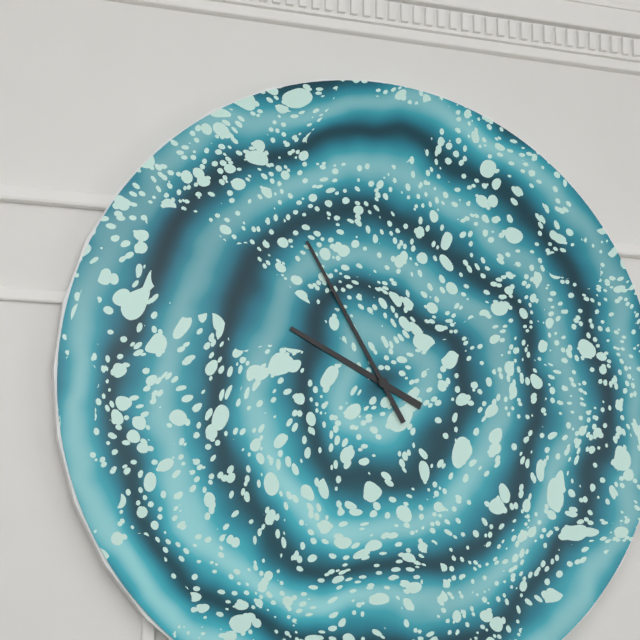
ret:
9:55
